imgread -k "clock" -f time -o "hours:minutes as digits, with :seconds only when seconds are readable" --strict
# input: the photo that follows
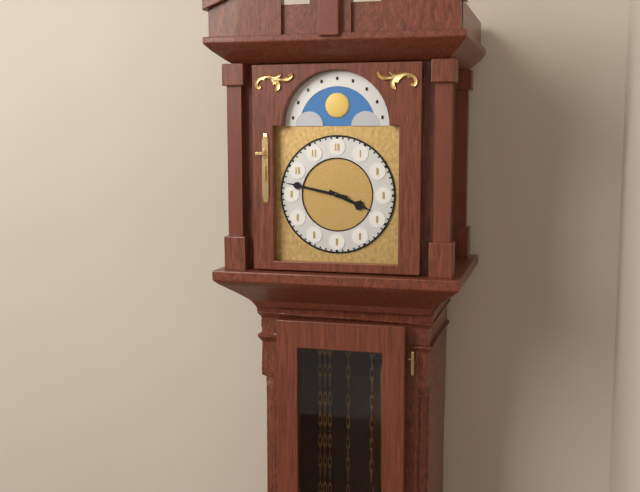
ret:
3:47
